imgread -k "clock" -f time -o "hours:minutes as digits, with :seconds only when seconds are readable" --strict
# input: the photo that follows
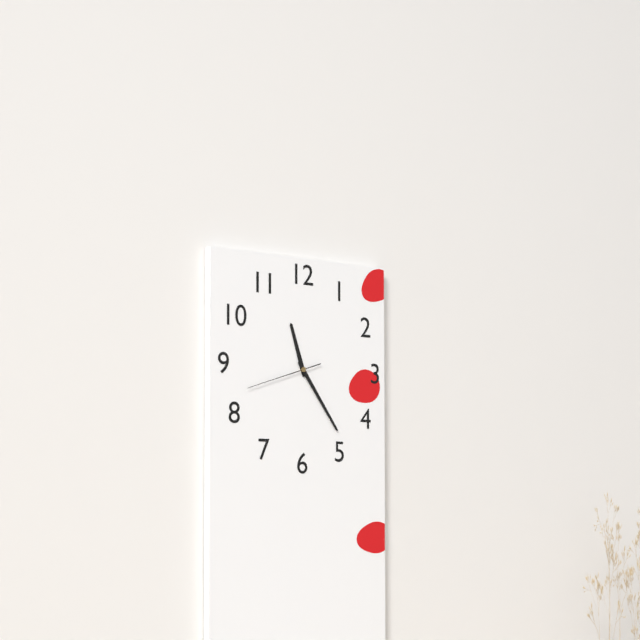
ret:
11:24:42
